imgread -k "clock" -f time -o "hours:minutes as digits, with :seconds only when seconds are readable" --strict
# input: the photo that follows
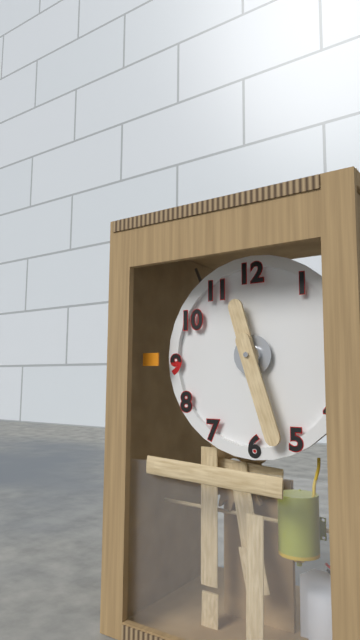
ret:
11:27
